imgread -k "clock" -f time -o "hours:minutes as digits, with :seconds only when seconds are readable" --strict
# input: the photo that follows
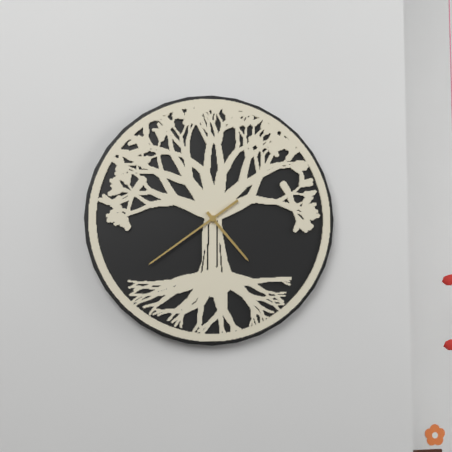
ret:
4:39
